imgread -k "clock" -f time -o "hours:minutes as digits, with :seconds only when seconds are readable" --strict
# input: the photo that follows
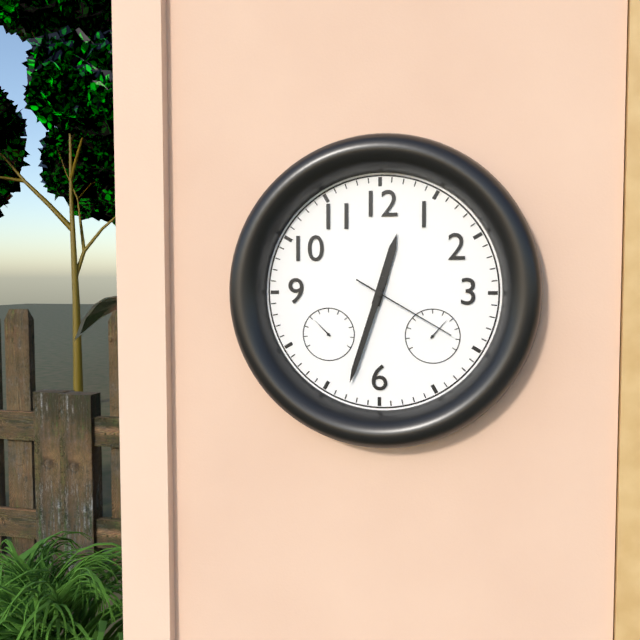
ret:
12:33:20
